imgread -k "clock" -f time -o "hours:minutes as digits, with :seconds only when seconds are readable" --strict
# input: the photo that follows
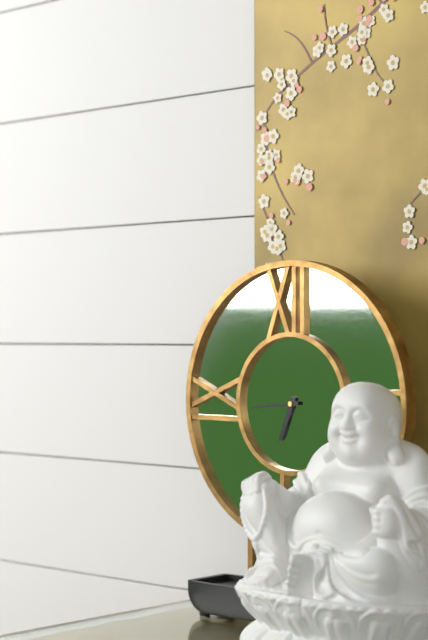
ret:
6:44
